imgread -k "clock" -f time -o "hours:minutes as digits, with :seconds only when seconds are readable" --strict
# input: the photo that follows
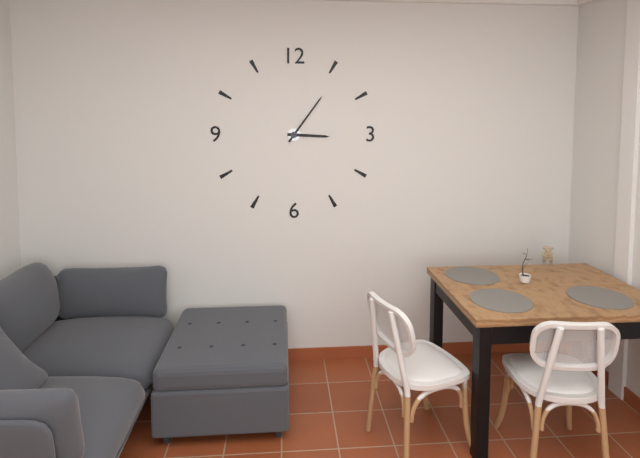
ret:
3:06
